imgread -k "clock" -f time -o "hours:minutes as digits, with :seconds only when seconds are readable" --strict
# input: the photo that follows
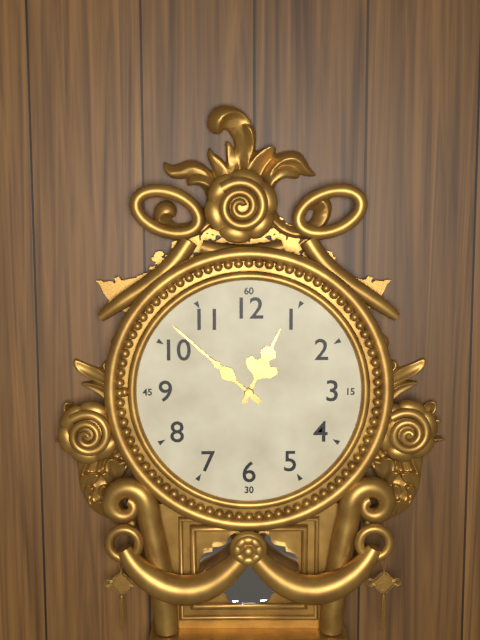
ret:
12:52
